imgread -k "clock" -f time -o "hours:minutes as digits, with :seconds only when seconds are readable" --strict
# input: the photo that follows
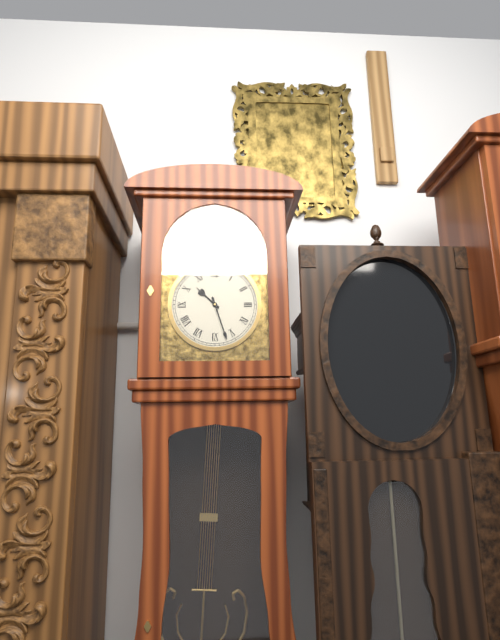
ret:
10:27
